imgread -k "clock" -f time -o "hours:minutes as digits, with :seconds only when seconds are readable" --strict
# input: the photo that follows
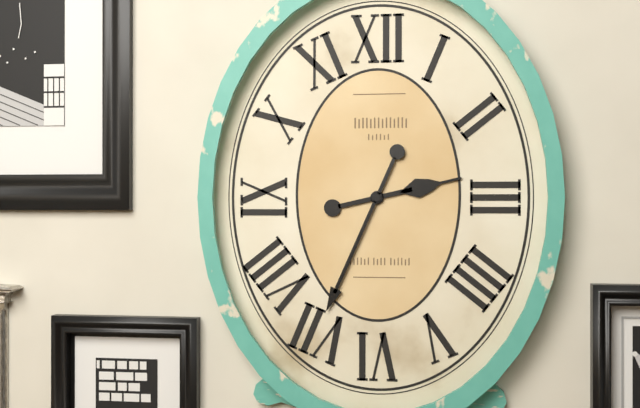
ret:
2:34
